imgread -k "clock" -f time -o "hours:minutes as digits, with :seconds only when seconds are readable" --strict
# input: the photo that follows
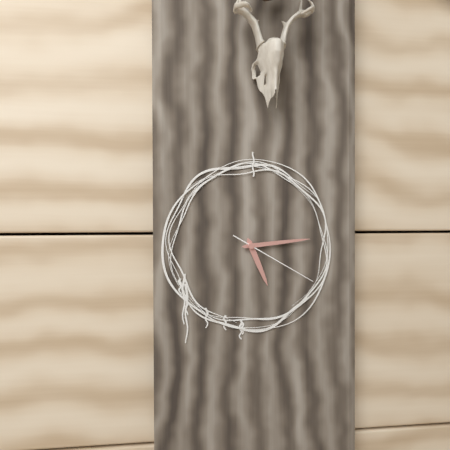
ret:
5:14:20
